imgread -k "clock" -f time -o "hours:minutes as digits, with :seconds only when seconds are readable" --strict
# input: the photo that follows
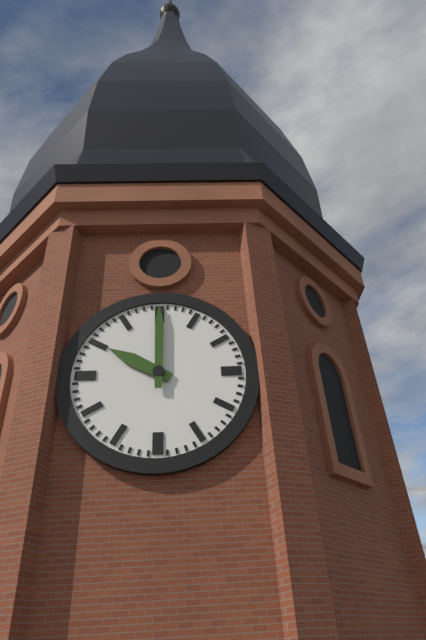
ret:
10:00
